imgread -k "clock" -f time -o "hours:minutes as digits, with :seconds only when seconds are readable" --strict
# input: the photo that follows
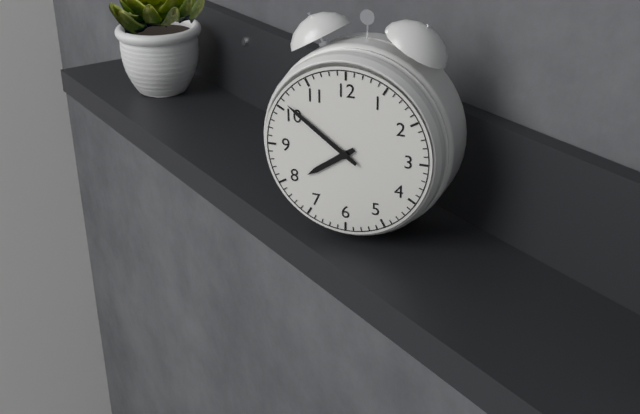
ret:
7:51
